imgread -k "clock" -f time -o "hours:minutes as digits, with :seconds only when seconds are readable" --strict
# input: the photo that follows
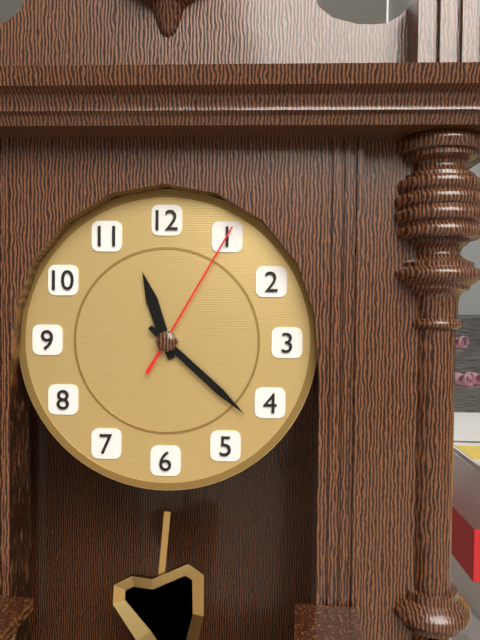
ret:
11:22:05
